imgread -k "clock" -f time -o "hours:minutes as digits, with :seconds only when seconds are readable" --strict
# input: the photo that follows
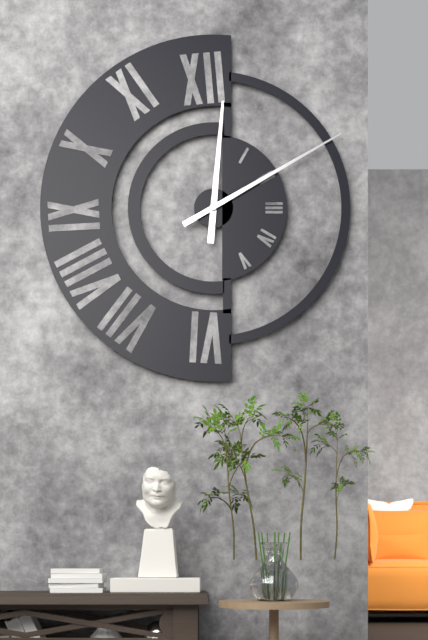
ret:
12:10
